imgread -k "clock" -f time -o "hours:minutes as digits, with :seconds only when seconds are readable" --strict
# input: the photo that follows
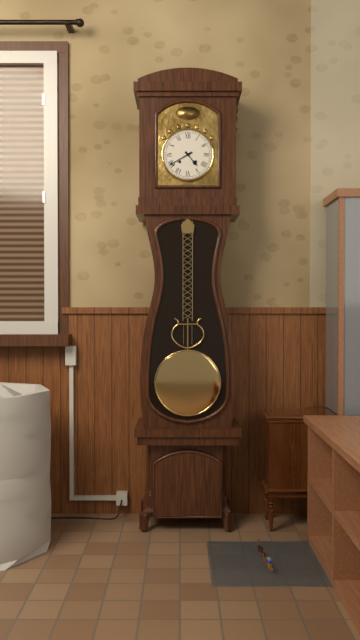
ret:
4:40
